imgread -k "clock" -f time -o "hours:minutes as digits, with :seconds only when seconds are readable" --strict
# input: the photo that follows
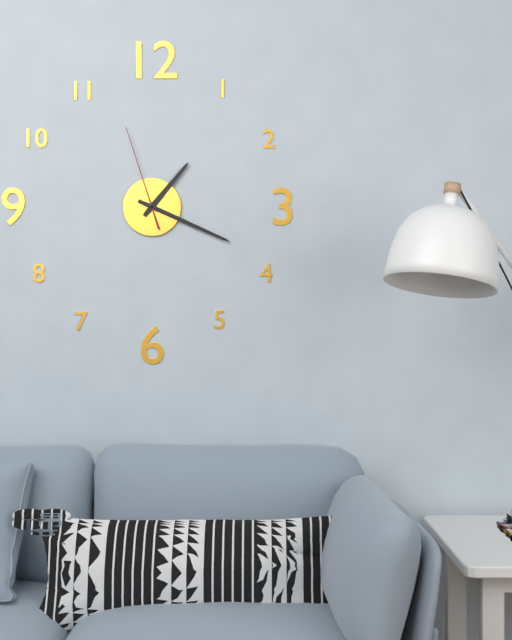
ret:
1:19:57
